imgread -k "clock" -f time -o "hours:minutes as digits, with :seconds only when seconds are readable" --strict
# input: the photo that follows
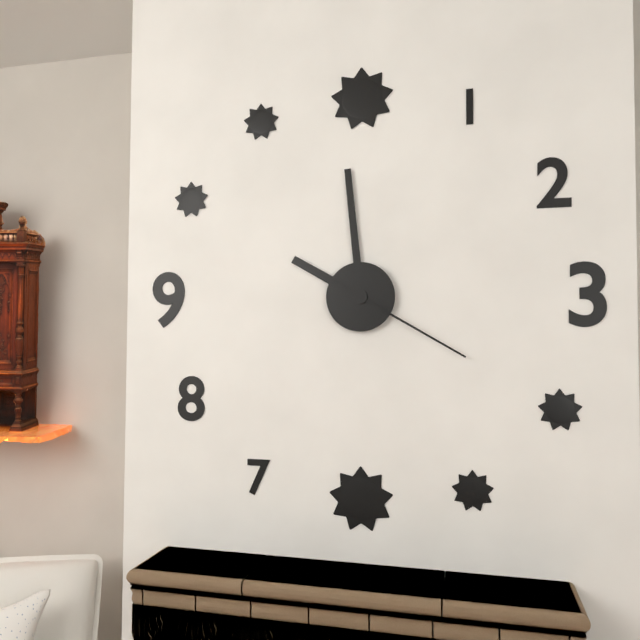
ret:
9:59:20
